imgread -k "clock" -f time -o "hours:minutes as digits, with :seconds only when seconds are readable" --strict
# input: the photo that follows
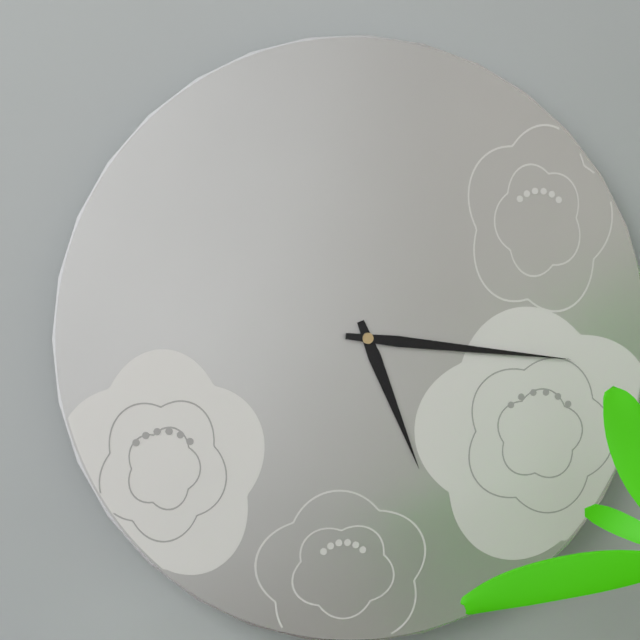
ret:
5:16
